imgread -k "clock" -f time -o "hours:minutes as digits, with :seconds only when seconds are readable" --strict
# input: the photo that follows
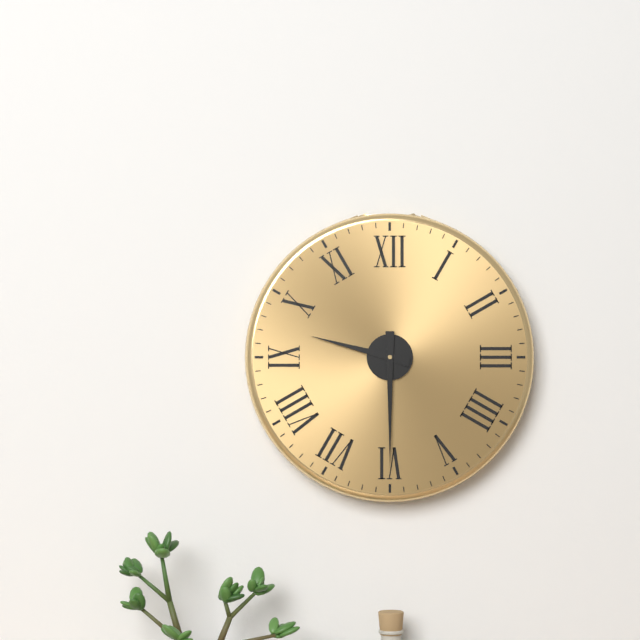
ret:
9:30
